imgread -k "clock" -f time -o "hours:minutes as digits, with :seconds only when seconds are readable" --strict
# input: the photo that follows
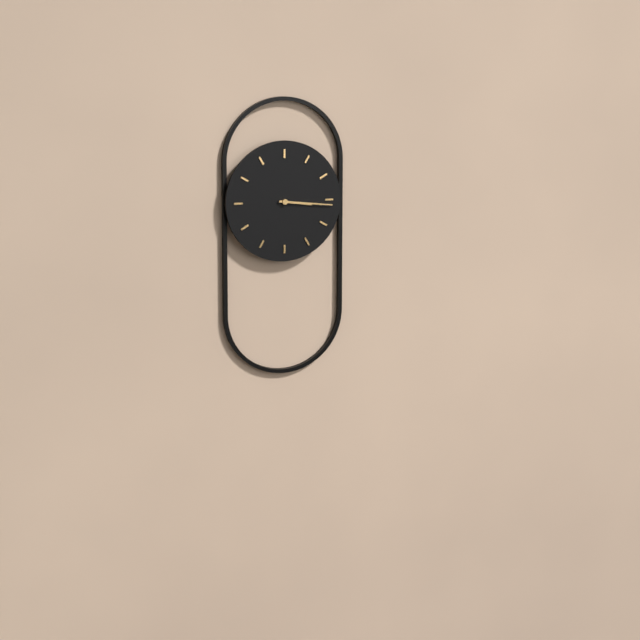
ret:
3:16
